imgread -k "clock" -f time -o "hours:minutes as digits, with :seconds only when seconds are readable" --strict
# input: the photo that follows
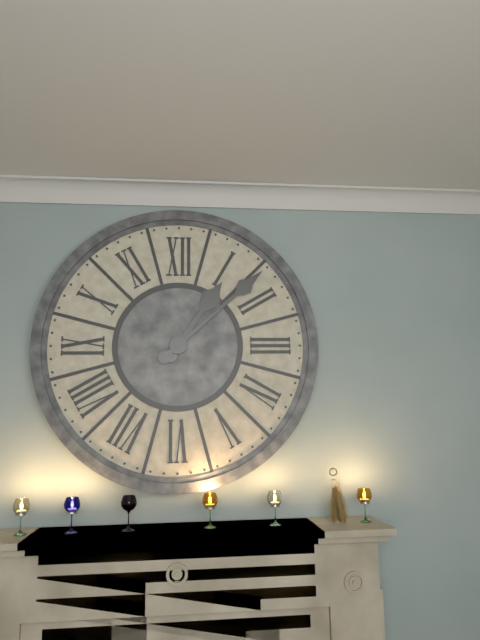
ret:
1:08
